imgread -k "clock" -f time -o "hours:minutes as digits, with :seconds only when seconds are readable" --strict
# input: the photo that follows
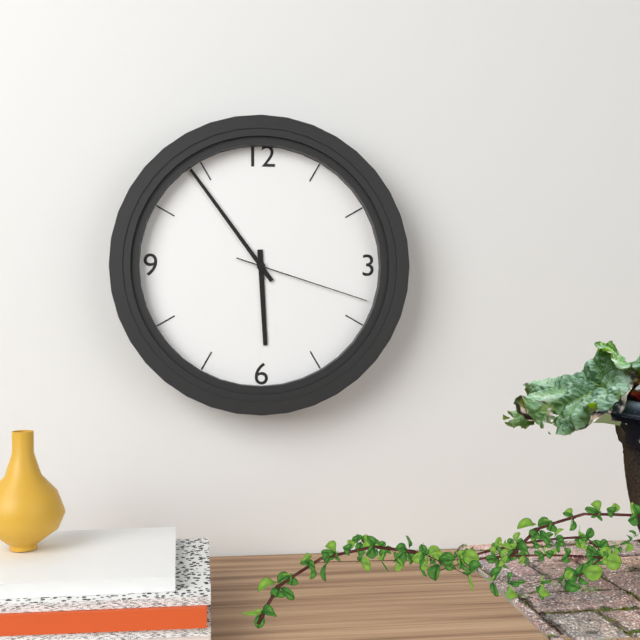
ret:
5:54:18
